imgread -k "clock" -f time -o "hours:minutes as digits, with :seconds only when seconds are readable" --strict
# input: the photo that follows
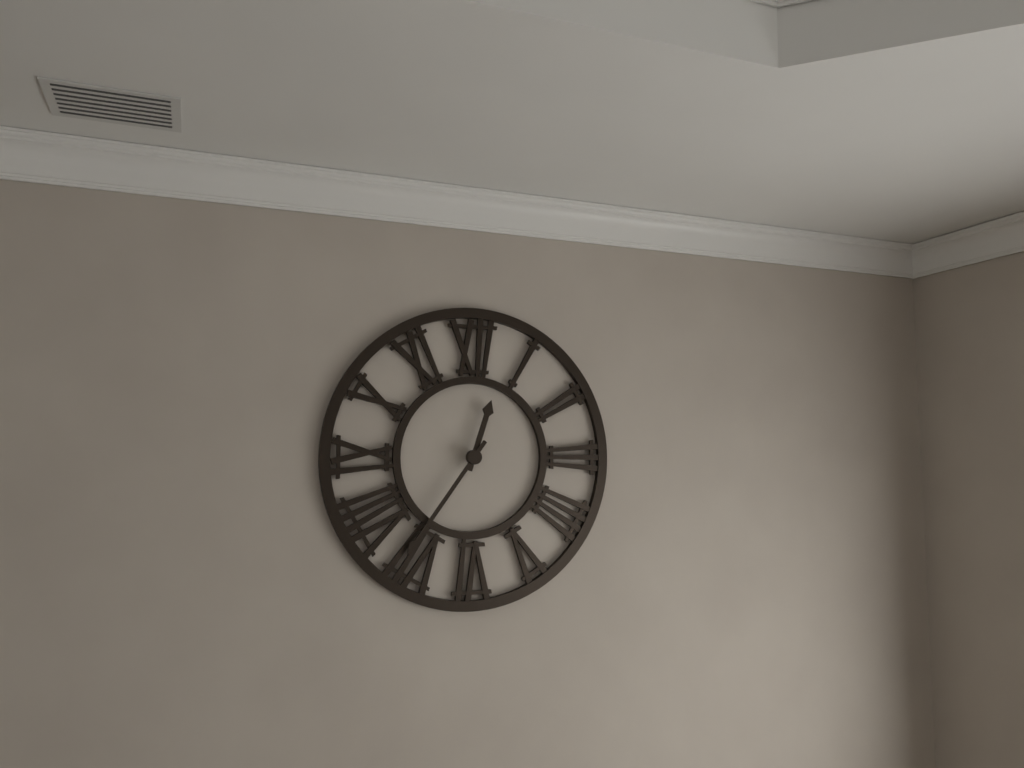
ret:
12:36
